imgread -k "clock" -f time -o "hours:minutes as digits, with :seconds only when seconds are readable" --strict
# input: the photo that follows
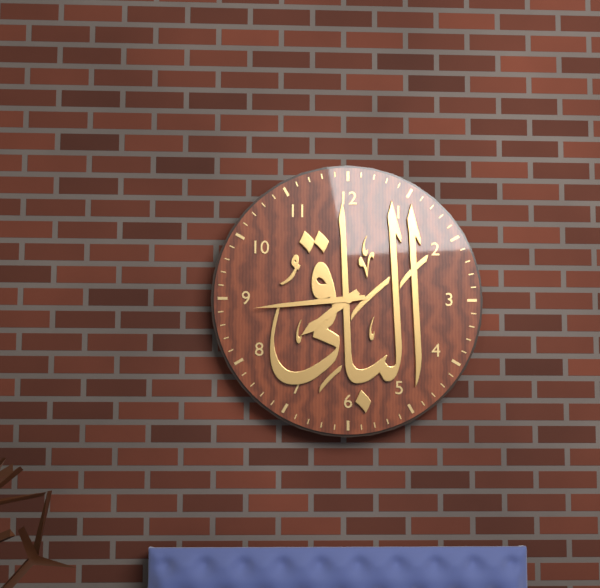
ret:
7:44
